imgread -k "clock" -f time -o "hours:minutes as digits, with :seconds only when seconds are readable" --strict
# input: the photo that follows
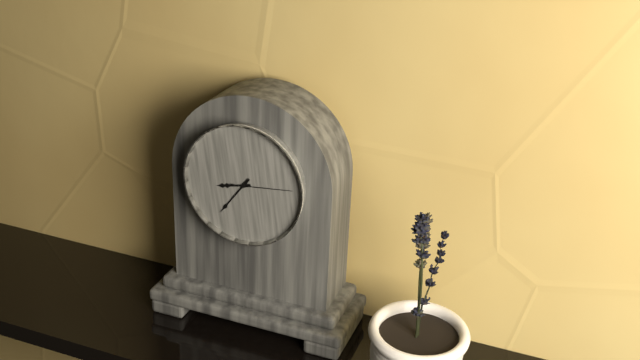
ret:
8:36:14
